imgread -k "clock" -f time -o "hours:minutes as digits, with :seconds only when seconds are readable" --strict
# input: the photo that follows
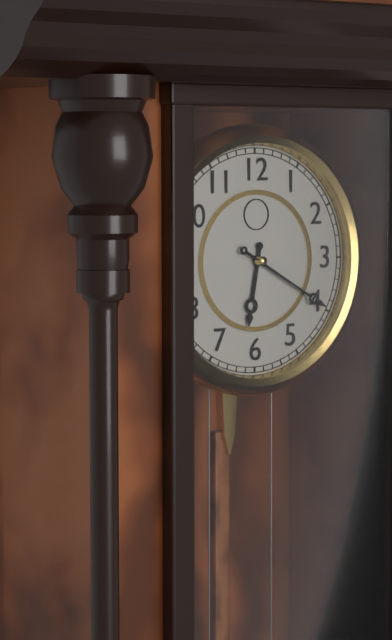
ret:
6:20
